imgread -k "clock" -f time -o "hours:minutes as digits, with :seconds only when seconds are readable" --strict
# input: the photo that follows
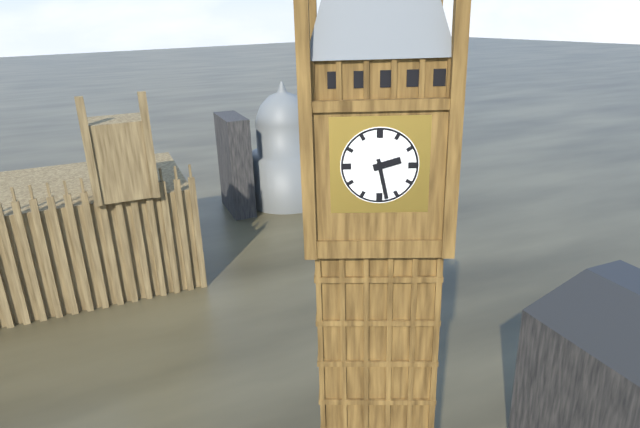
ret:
2:28
